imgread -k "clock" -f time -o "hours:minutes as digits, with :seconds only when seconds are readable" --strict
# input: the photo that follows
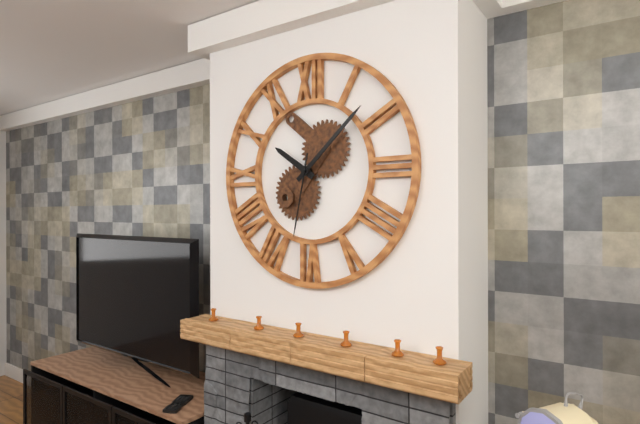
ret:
10:08:32
